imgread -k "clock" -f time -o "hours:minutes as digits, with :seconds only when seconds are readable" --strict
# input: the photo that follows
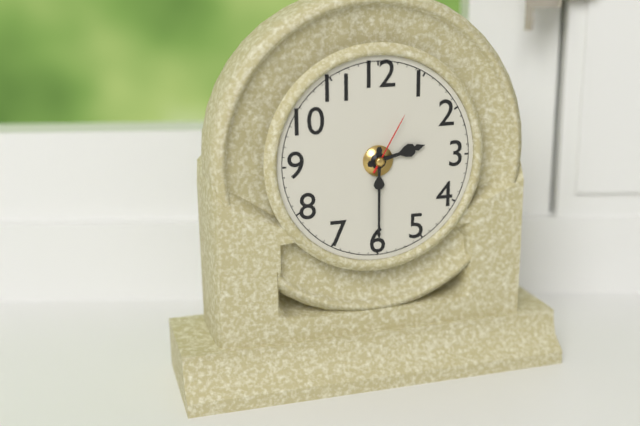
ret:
2:30:05
